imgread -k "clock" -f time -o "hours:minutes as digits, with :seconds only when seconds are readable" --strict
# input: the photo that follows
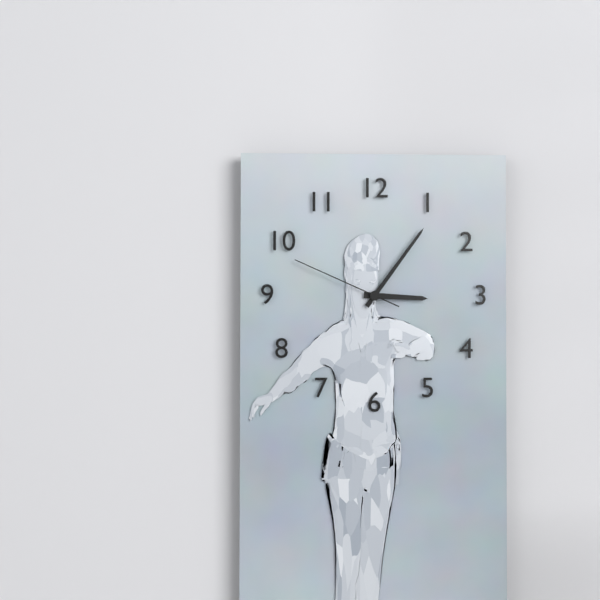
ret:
3:06:49
